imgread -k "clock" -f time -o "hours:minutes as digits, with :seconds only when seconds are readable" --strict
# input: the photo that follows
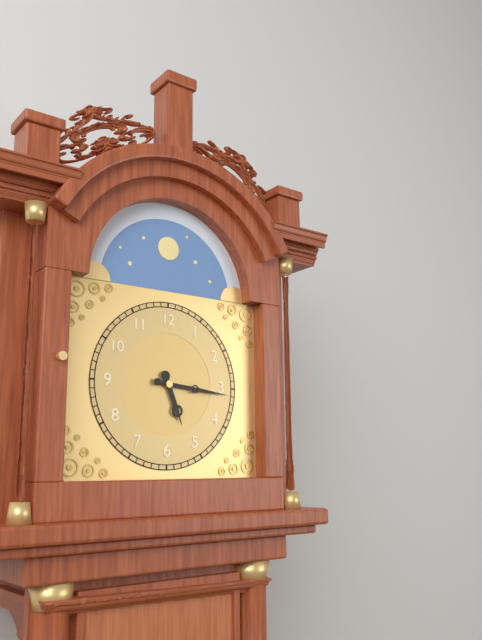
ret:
5:16
